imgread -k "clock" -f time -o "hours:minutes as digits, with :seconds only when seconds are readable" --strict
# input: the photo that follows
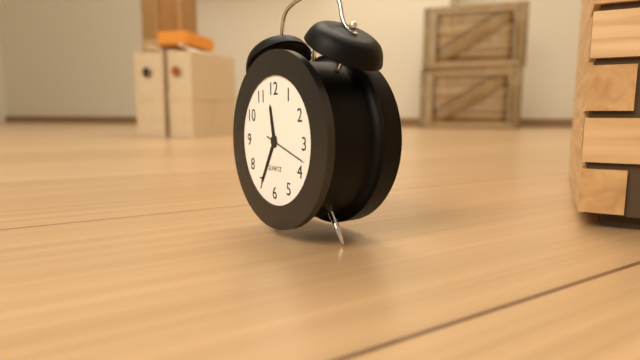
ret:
11:35
